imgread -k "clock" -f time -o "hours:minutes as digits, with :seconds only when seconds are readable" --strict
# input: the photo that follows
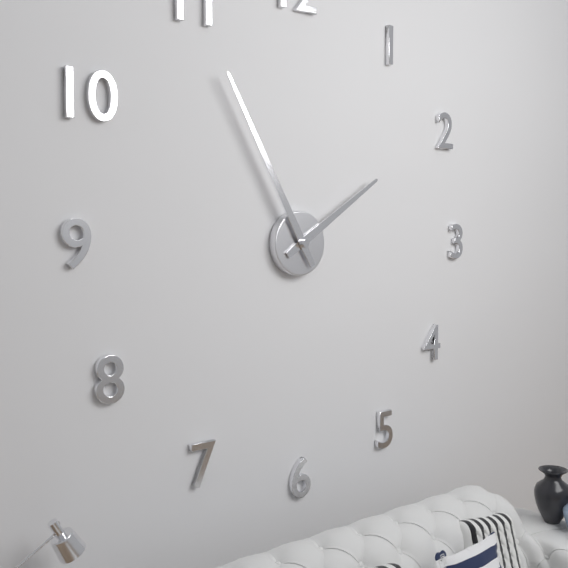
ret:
1:55
